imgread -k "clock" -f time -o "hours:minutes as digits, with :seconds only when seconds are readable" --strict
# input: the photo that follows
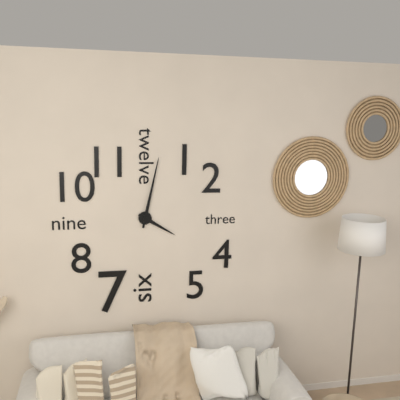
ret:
4:02
